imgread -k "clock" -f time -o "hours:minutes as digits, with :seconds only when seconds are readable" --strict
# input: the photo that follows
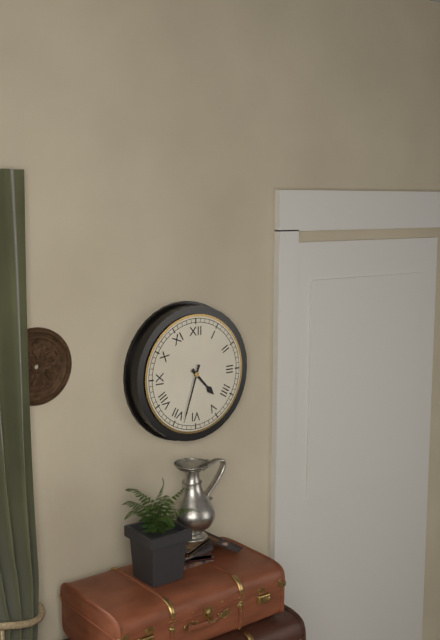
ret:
4:33
